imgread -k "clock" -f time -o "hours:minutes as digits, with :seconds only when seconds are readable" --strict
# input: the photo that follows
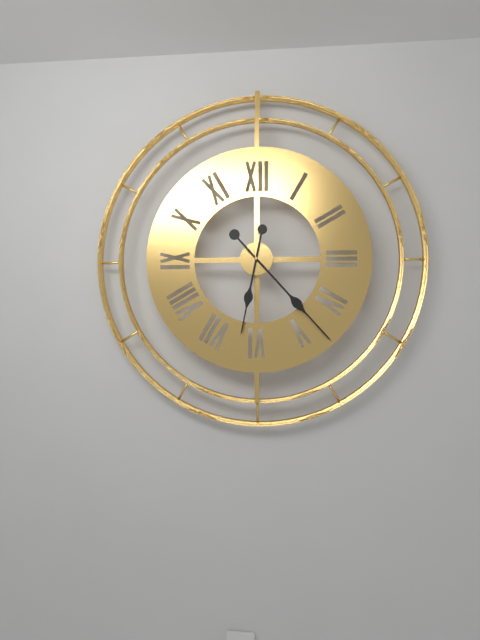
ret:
6:23
